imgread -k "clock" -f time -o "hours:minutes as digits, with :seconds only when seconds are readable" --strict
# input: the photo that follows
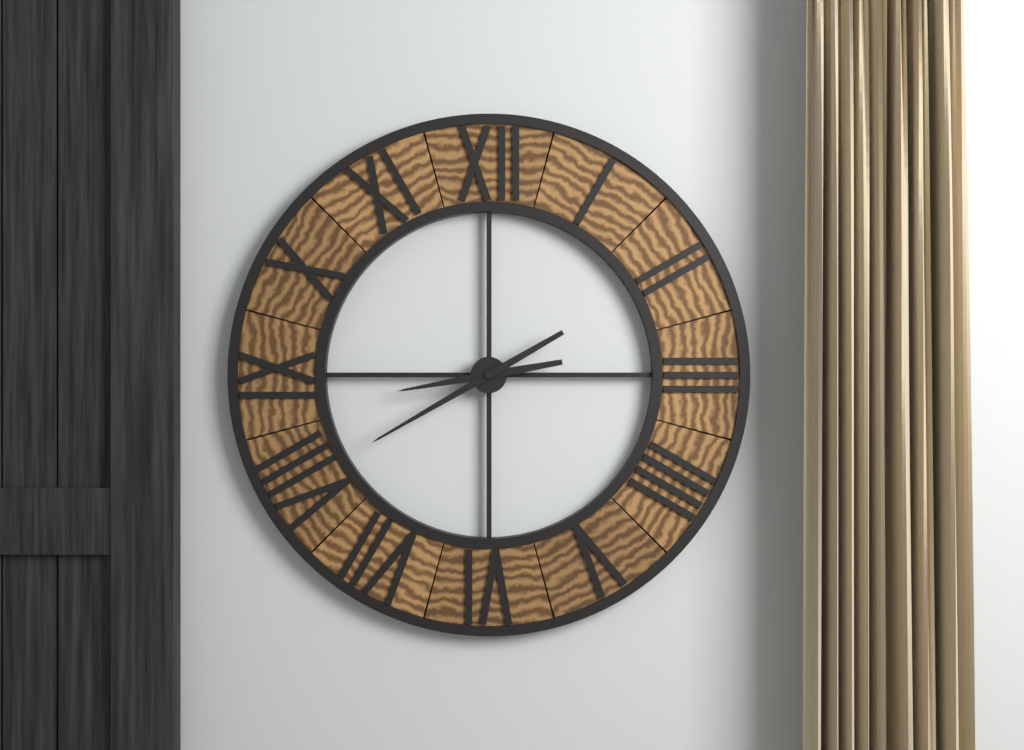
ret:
8:40
